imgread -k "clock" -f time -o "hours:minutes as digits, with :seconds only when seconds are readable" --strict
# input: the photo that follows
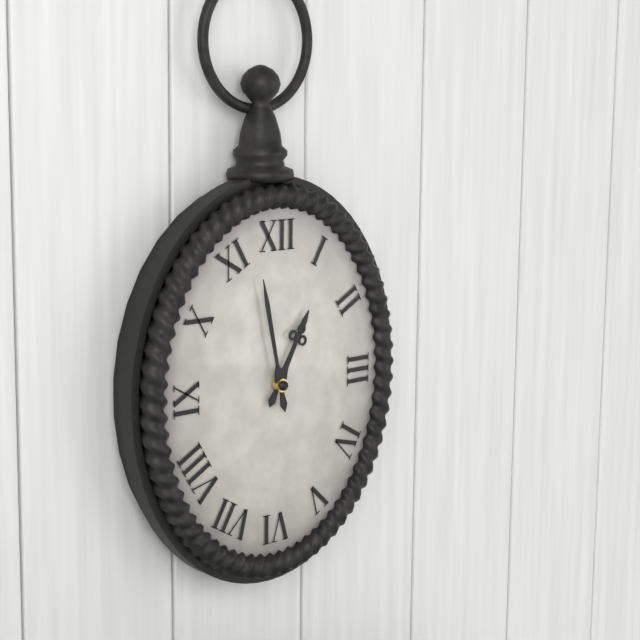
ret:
12:58
